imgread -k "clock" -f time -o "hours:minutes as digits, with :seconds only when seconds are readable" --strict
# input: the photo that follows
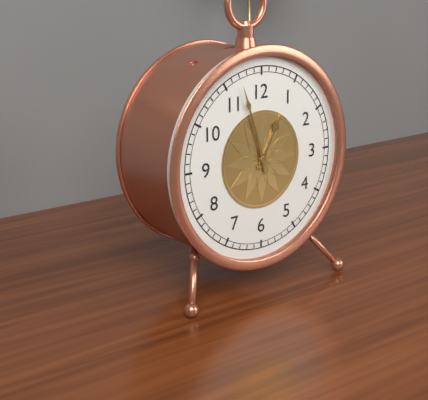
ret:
12:57
